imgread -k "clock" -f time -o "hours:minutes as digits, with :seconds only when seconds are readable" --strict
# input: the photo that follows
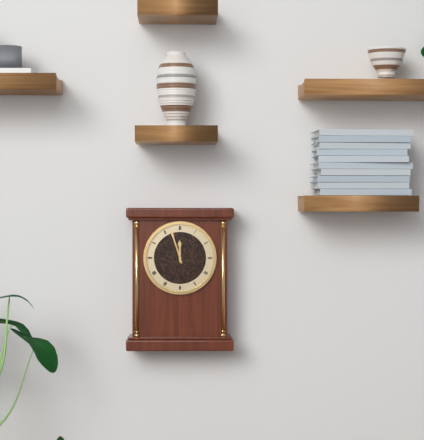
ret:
11:57
